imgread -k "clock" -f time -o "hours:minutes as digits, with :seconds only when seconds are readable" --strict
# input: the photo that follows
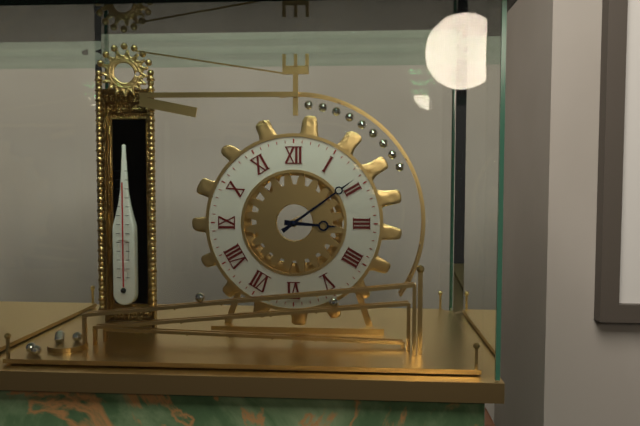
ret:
3:09
